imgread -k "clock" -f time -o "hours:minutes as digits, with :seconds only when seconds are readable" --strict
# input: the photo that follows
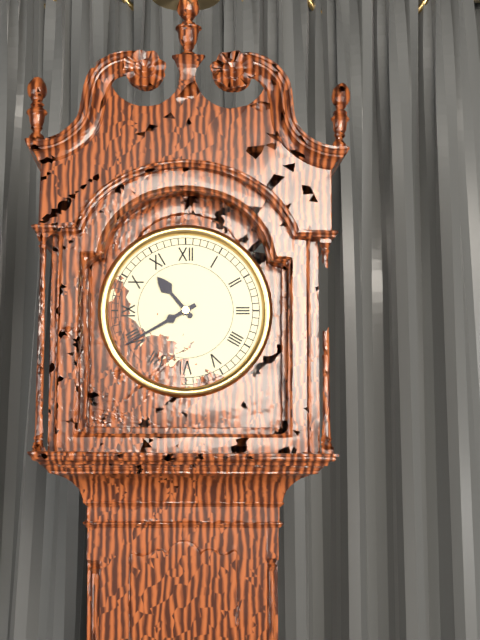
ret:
10:40
